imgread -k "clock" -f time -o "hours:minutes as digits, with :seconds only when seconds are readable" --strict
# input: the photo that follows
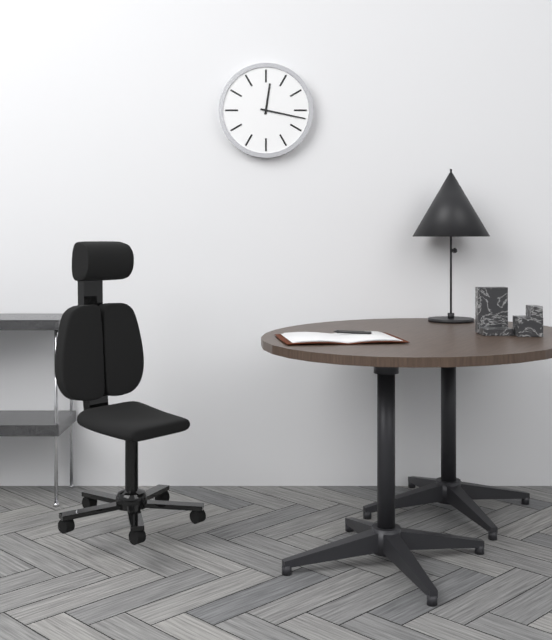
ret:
12:17
